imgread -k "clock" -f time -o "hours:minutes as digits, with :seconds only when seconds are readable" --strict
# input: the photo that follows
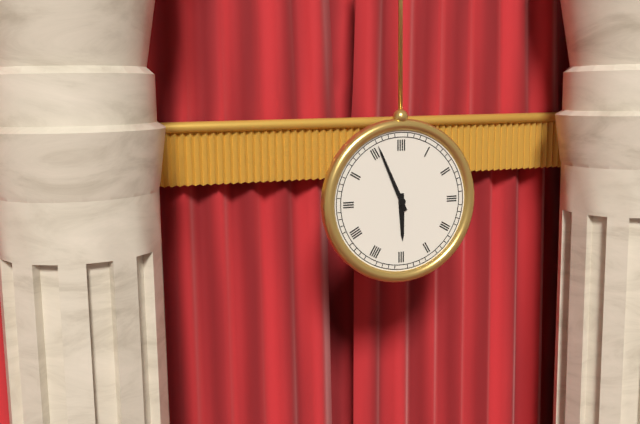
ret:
5:56
